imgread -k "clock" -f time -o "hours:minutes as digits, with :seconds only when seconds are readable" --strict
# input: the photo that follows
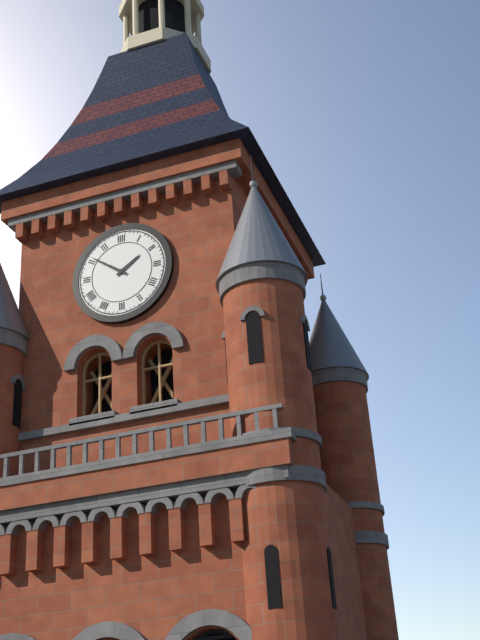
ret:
1:51
